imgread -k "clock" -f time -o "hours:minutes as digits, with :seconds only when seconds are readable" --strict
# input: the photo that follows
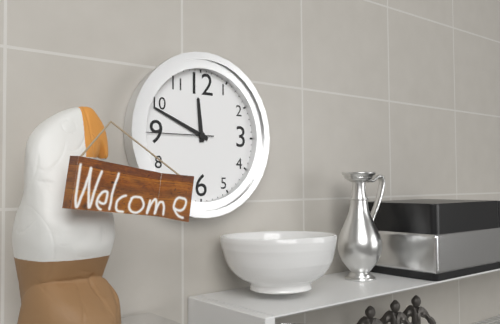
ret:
11:49:45
